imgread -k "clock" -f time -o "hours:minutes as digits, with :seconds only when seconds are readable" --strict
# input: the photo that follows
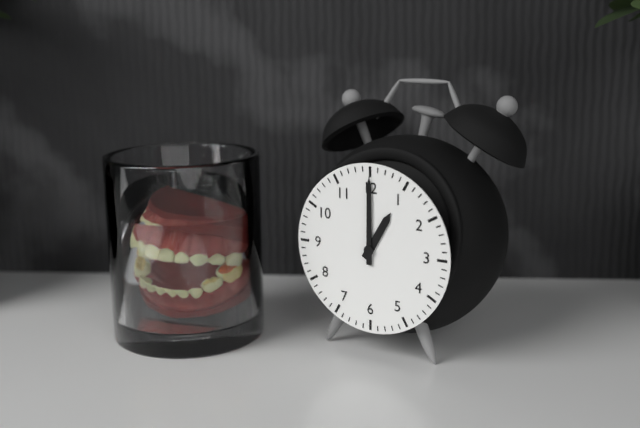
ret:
1:00
